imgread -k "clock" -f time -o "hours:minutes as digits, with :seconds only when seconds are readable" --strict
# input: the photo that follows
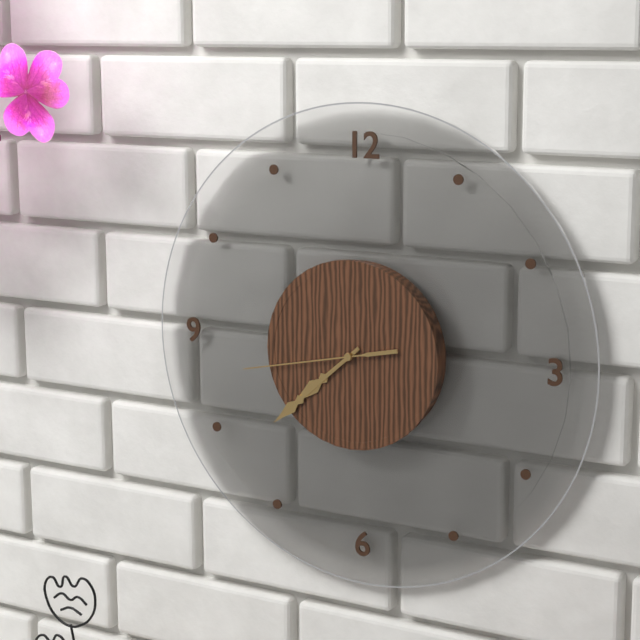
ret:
7:38:43
